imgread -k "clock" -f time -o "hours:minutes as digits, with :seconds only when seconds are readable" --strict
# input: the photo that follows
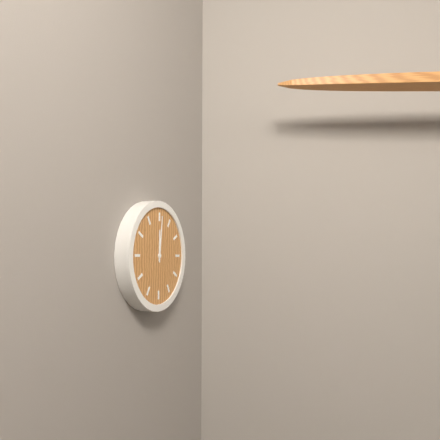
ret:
12:01
